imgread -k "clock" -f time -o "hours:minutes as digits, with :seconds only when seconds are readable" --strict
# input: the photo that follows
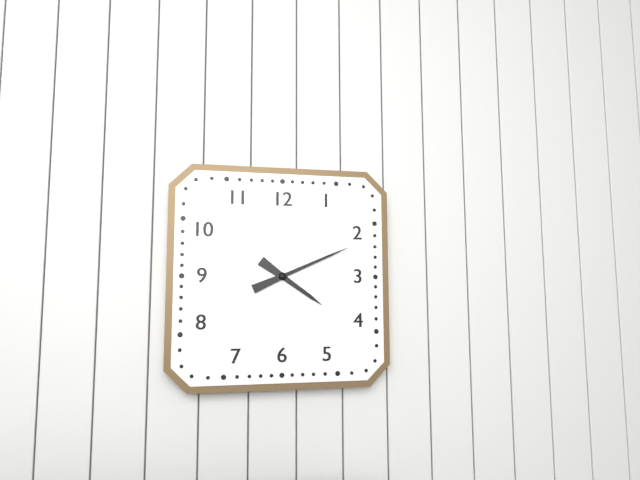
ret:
4:11
